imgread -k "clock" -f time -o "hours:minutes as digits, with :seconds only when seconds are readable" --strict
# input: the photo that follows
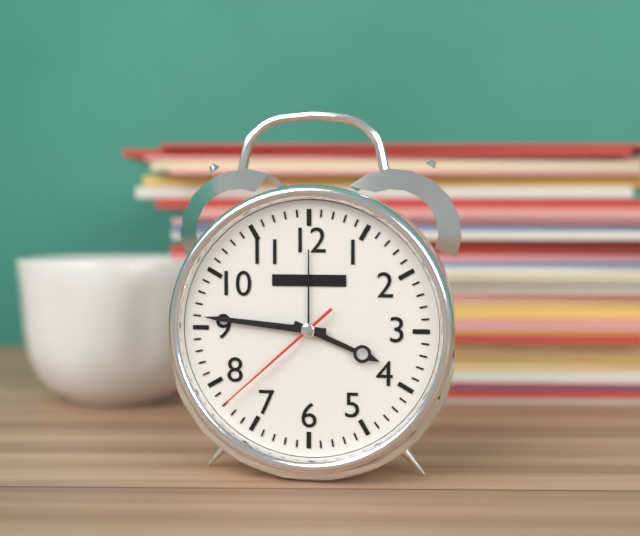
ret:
3:46:38
